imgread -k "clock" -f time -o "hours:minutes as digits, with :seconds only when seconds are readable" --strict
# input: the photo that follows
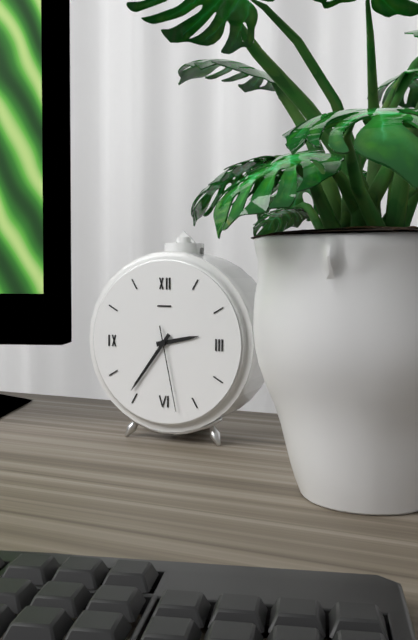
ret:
2:36:28
